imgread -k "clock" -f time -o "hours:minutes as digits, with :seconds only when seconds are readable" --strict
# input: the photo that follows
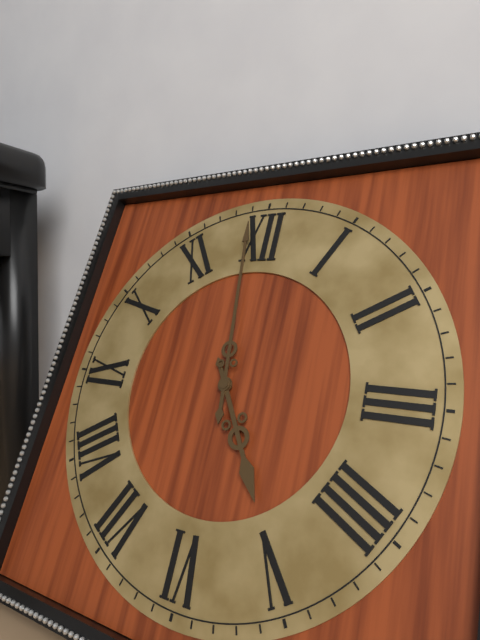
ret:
4:59
